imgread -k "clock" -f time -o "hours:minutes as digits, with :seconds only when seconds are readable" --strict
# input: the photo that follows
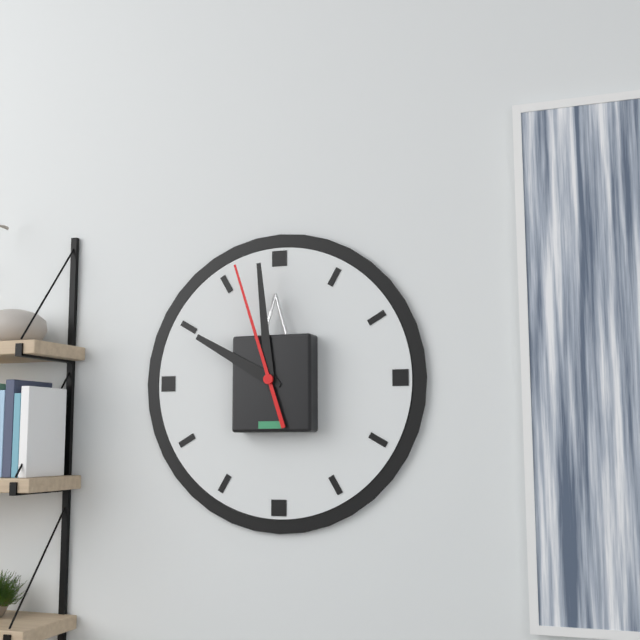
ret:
9:59:57
